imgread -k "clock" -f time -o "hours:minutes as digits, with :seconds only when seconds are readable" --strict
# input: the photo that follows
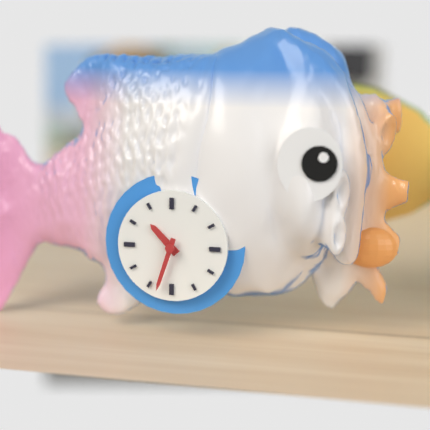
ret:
10:33
